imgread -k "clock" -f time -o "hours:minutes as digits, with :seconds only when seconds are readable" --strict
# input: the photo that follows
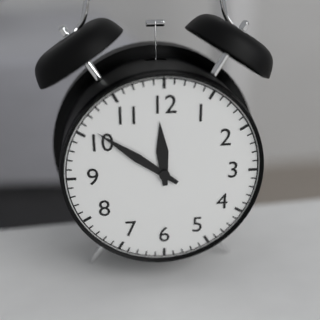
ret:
11:51
